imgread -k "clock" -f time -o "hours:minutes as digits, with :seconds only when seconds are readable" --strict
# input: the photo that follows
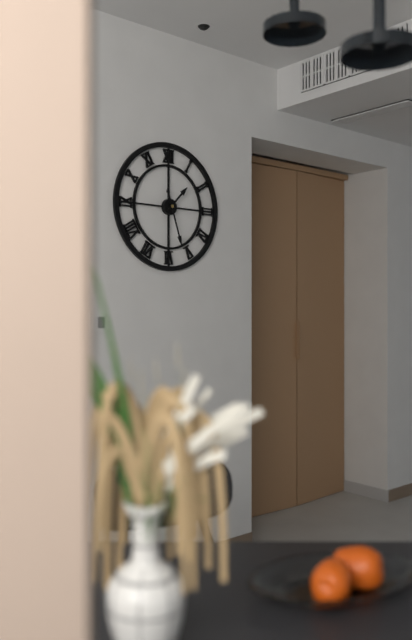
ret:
1:27
